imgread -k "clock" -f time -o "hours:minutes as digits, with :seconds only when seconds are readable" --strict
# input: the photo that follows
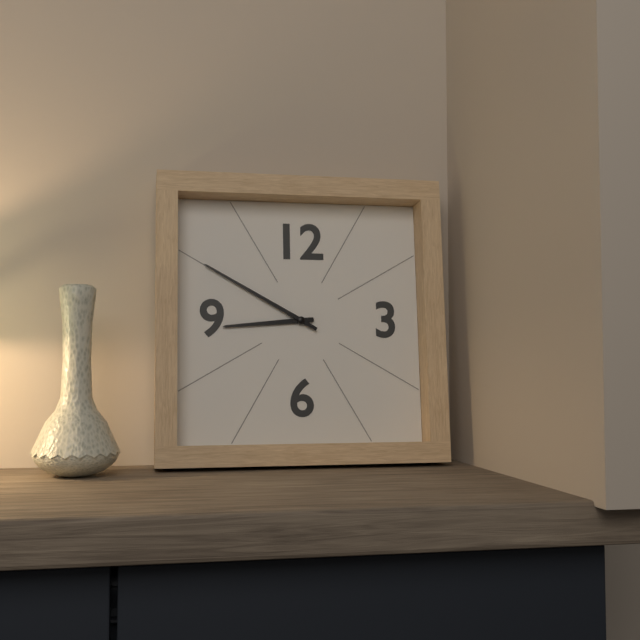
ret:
8:50
